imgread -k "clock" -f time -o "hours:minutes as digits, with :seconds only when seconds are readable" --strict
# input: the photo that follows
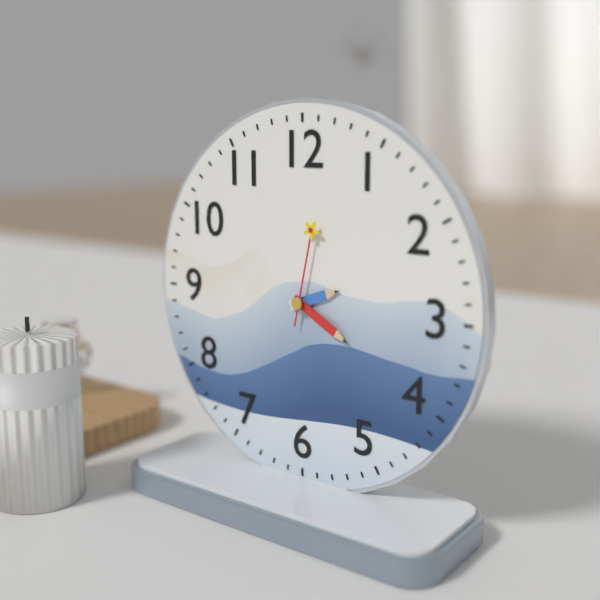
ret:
2:20:02
